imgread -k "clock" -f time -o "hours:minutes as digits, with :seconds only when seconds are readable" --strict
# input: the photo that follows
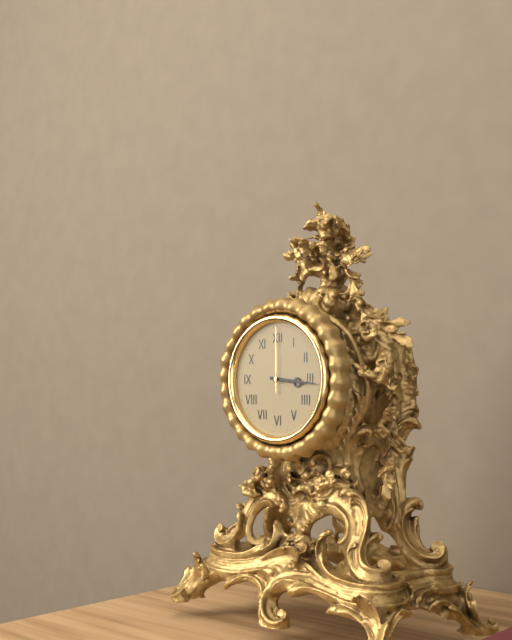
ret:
3:16:00
